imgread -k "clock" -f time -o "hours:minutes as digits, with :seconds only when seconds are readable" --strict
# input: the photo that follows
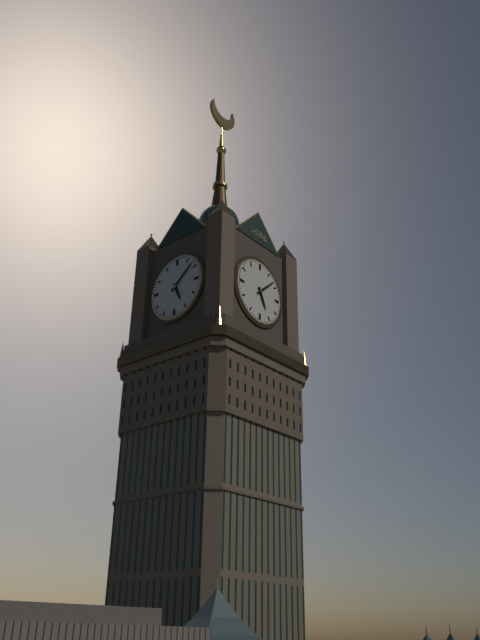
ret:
5:08
